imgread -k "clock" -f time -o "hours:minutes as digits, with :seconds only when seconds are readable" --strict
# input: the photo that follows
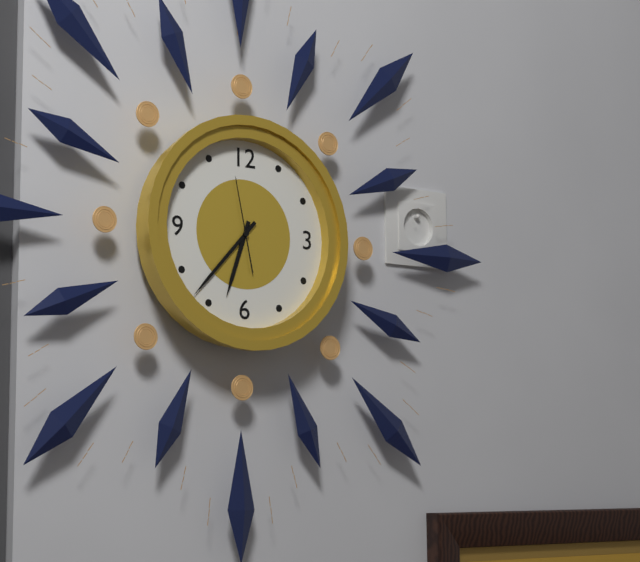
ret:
6:37:58
